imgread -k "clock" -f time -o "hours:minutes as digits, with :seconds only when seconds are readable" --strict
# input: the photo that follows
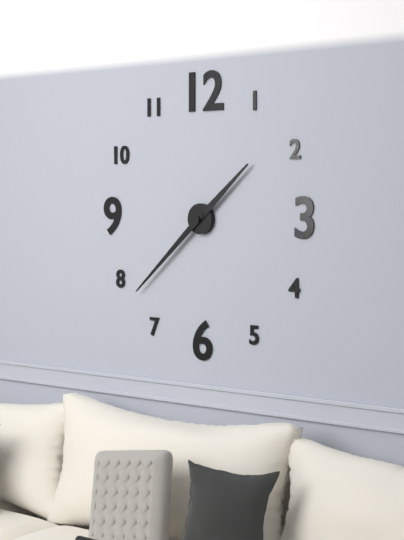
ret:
1:38
